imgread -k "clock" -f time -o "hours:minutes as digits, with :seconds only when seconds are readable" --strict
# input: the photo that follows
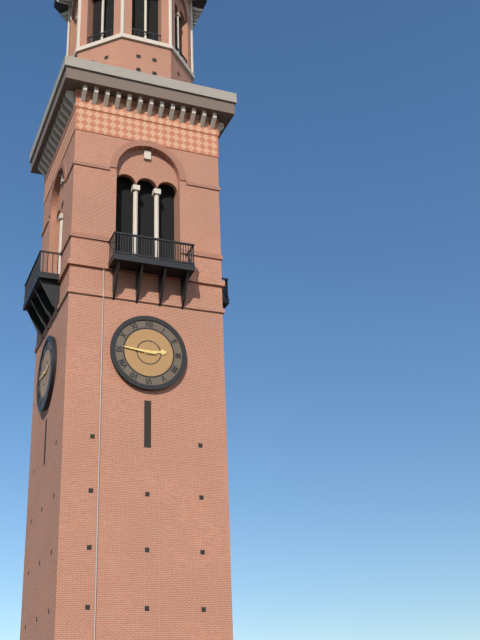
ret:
2:46
